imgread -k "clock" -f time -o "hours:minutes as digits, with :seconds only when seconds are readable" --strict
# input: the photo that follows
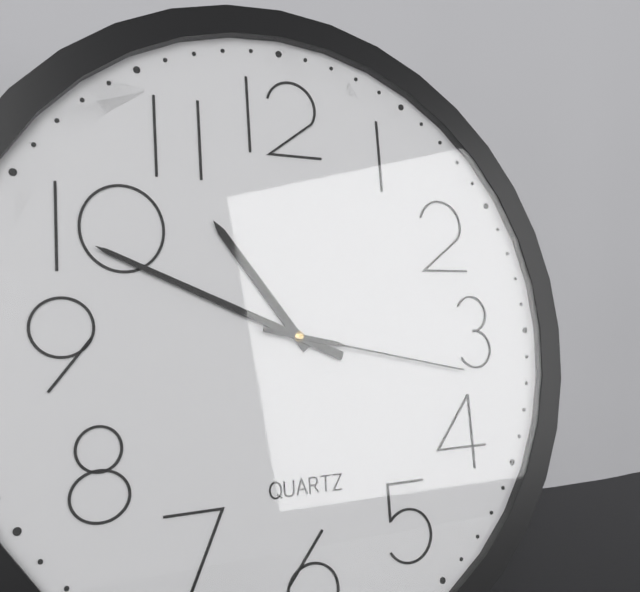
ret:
10:49:17
